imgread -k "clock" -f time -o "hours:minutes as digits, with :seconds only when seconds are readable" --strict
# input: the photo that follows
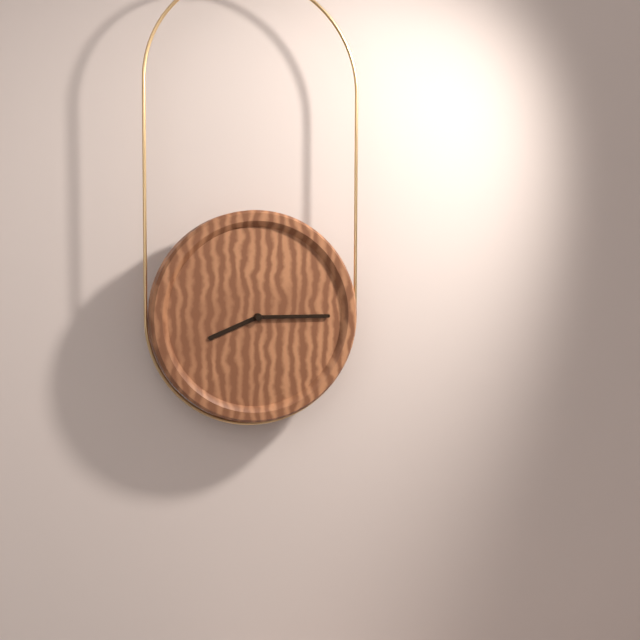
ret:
8:15
